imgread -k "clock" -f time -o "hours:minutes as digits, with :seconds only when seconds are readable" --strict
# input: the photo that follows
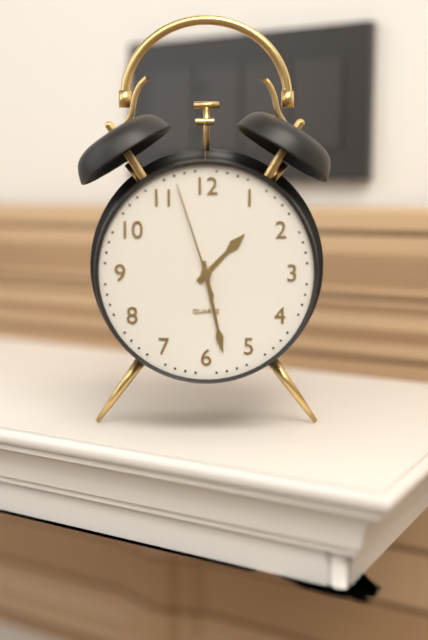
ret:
1:28:57
